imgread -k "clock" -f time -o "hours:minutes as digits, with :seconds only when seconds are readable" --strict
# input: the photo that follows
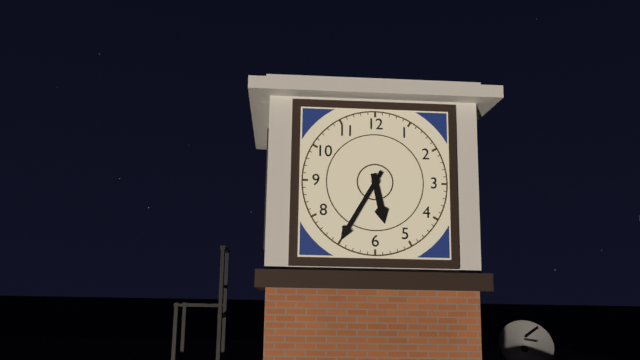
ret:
5:35
